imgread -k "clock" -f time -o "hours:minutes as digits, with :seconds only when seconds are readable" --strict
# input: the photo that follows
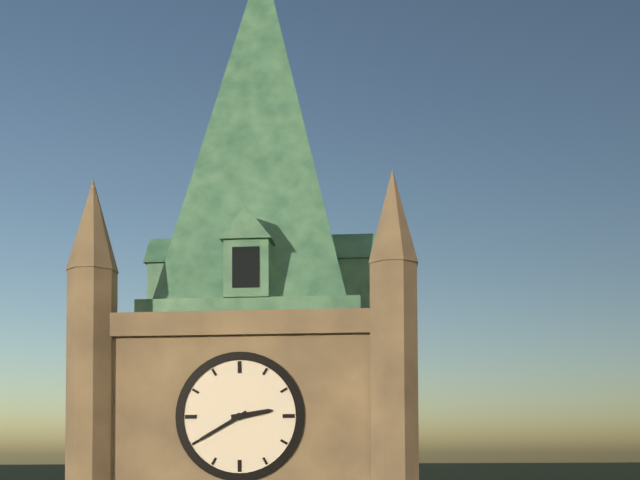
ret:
2:40
